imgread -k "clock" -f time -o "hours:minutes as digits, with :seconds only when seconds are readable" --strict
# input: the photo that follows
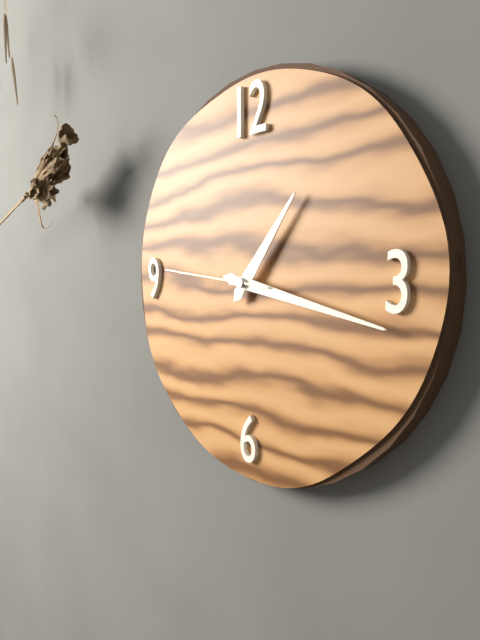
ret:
1:17:46
